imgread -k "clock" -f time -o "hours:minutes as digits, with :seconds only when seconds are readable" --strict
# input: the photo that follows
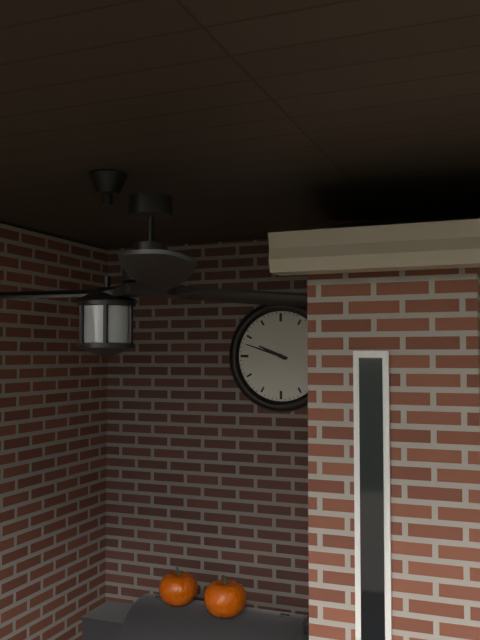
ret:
9:48
